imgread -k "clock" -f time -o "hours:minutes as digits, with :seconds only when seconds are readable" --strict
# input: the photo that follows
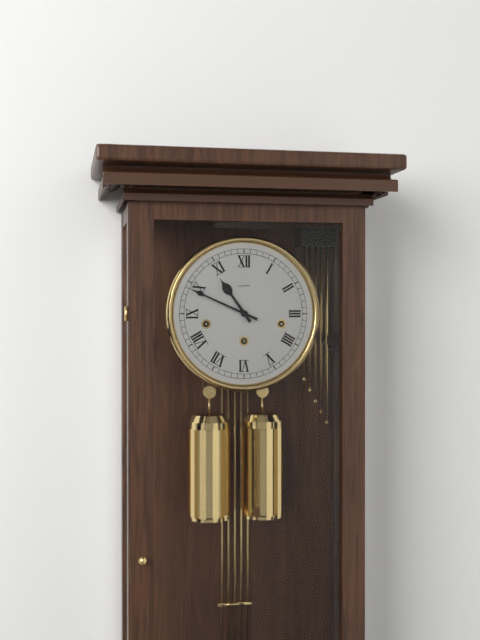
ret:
10:49
